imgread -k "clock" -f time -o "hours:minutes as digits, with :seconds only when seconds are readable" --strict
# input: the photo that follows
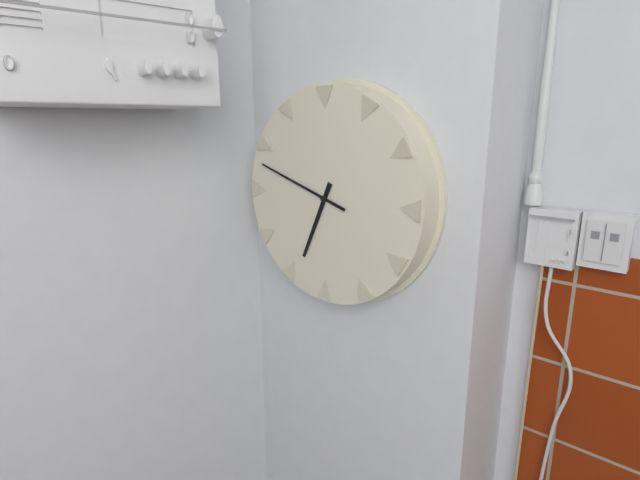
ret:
6:48
